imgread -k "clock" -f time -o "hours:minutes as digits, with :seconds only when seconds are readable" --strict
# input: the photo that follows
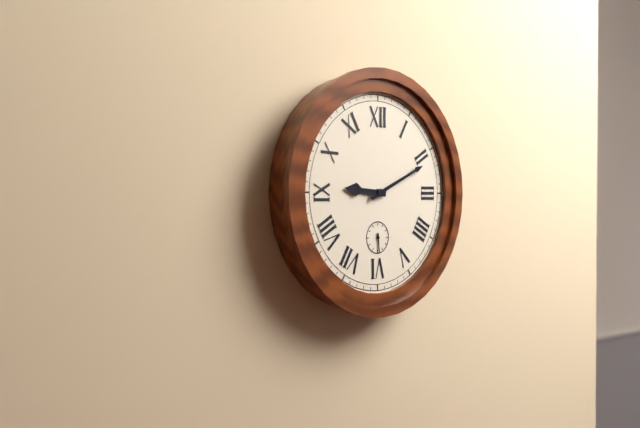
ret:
9:11
